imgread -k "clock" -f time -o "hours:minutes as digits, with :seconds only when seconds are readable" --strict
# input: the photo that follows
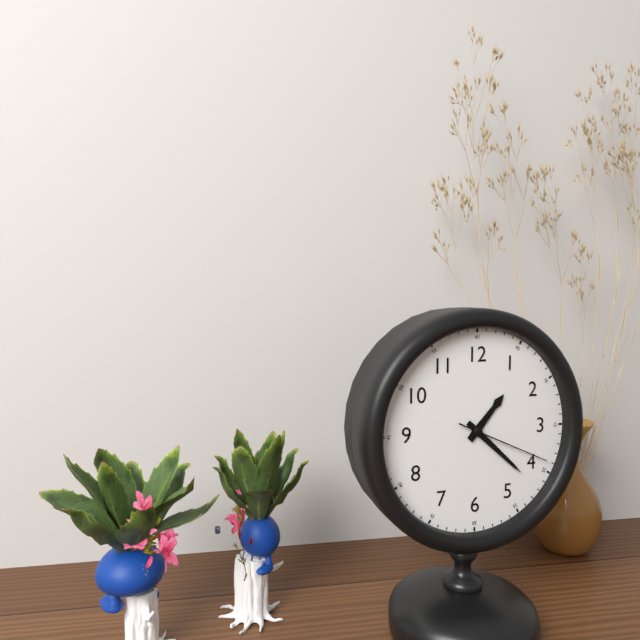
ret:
1:22:19
